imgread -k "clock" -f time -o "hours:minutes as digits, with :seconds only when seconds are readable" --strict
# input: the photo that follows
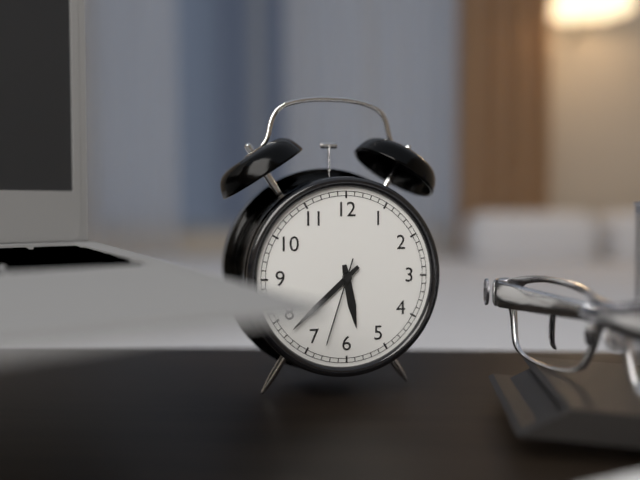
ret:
5:38:33
